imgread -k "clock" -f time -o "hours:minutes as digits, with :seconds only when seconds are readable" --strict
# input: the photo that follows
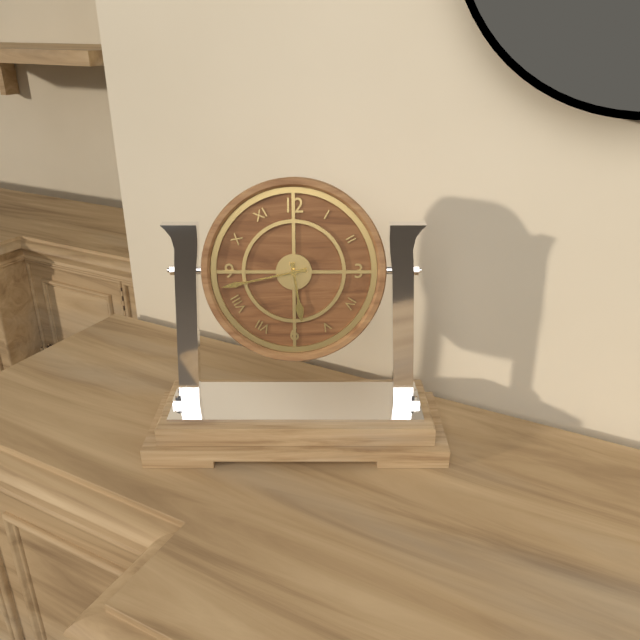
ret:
5:43
